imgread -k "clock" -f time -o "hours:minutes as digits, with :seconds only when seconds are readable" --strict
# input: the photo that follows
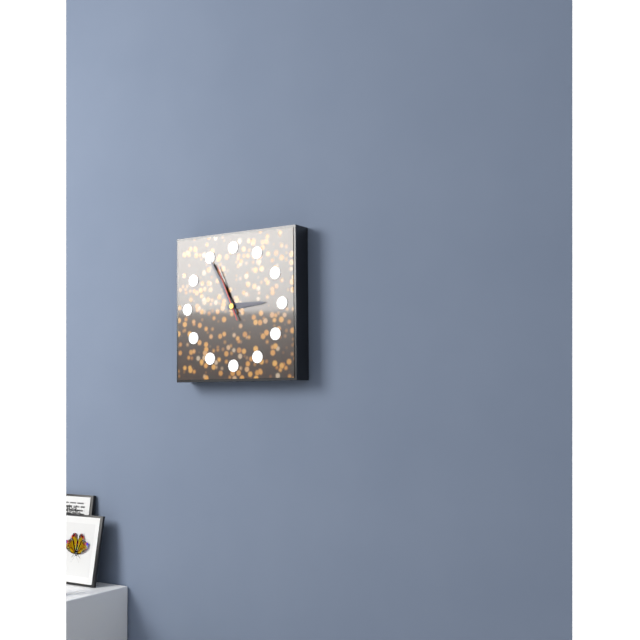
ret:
2:55:56
